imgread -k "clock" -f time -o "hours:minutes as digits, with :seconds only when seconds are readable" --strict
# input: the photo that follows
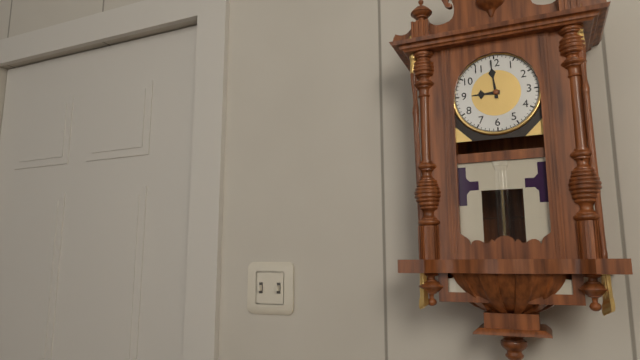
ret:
8:59
